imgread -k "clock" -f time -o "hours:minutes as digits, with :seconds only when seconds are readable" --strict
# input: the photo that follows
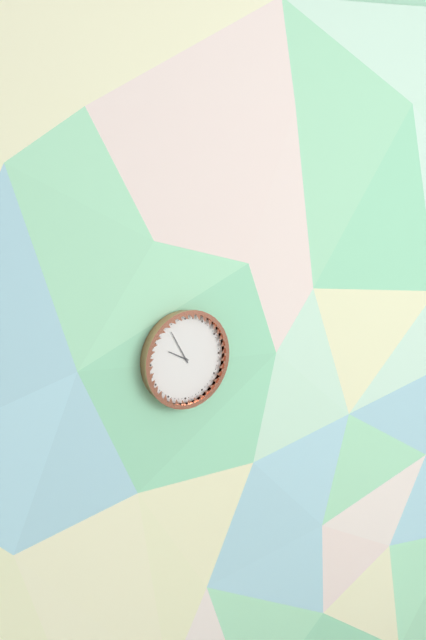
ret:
9:55
